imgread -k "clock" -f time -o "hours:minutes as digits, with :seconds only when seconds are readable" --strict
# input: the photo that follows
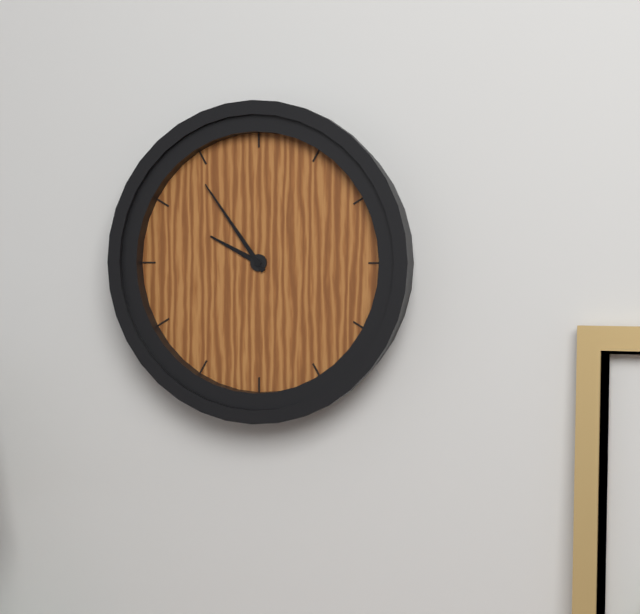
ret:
9:54
